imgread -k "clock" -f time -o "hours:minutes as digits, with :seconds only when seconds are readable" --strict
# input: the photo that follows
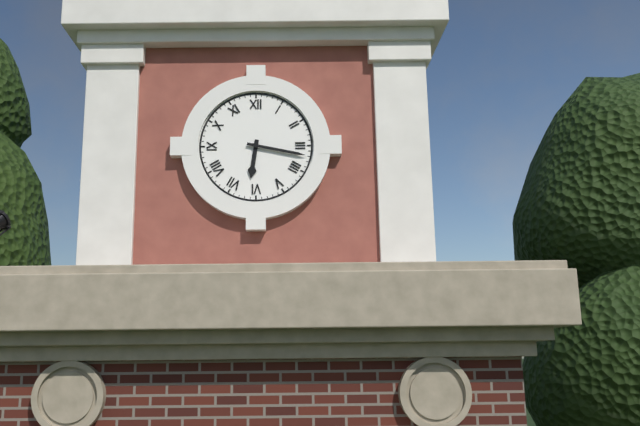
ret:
6:17
